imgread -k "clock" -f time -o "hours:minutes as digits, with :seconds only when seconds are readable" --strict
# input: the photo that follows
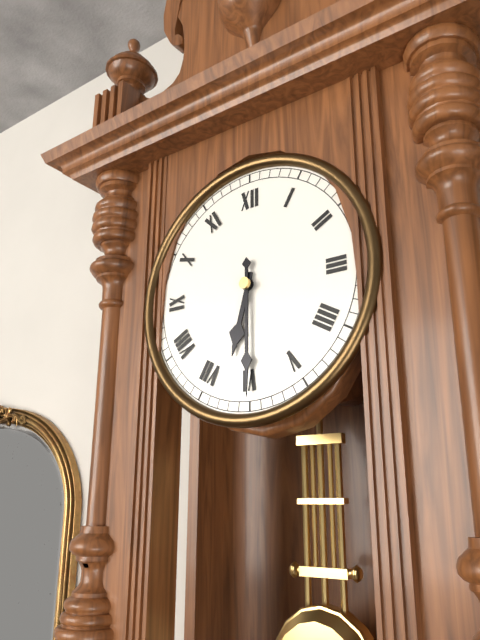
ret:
6:30
